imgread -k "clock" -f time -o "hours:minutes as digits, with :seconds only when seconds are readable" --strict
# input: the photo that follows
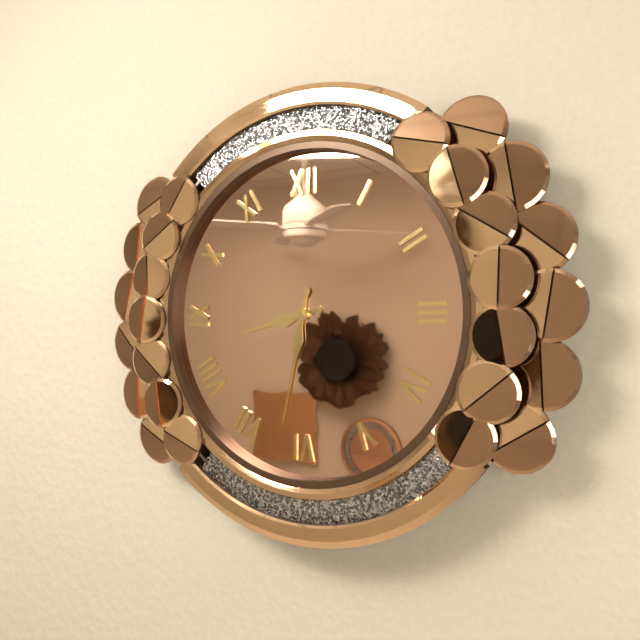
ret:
8:32
